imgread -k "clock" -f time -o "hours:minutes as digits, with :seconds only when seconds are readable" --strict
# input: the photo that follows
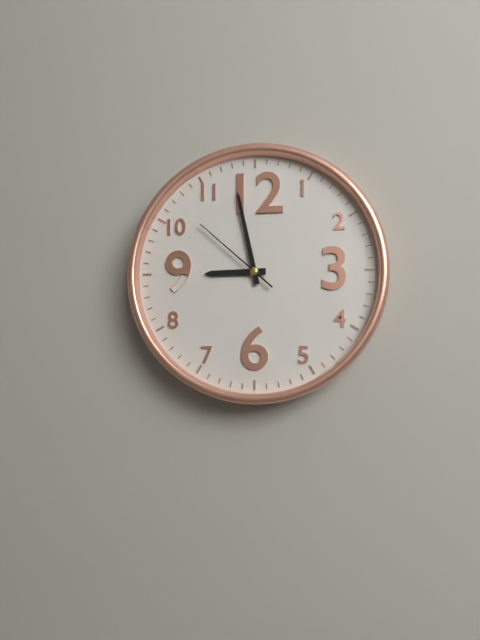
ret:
8:58:52
